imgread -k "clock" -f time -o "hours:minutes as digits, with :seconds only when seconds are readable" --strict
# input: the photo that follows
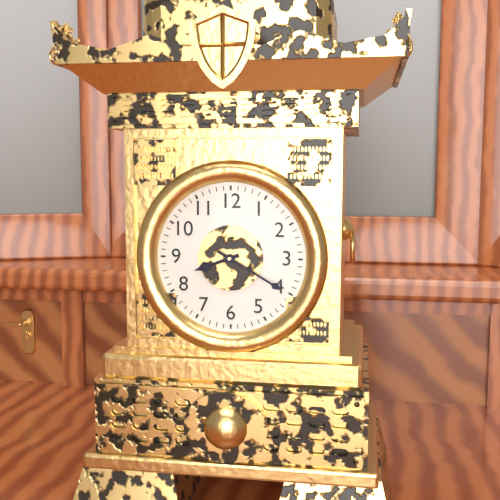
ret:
8:20
